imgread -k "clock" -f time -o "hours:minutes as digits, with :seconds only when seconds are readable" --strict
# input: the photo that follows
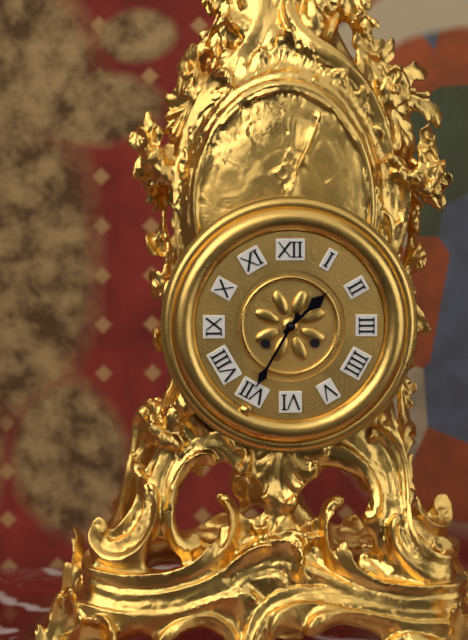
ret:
1:35
